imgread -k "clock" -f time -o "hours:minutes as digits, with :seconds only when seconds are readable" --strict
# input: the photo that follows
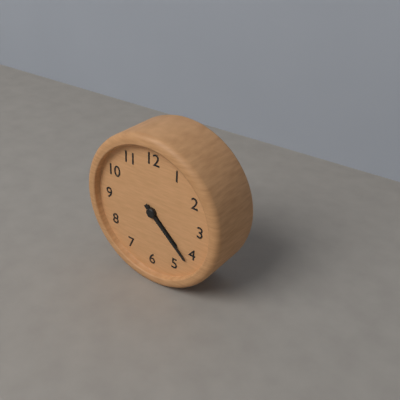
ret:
4:22
